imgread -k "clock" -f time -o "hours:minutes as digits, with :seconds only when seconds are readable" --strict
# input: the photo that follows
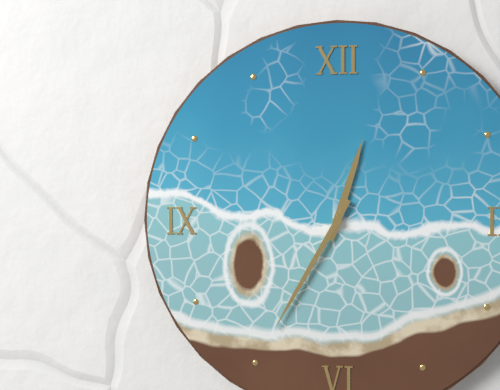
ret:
12:35
